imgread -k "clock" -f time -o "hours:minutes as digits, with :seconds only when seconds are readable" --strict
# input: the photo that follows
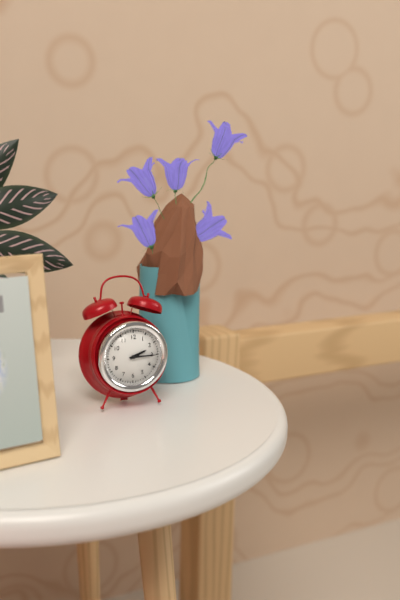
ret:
2:15
